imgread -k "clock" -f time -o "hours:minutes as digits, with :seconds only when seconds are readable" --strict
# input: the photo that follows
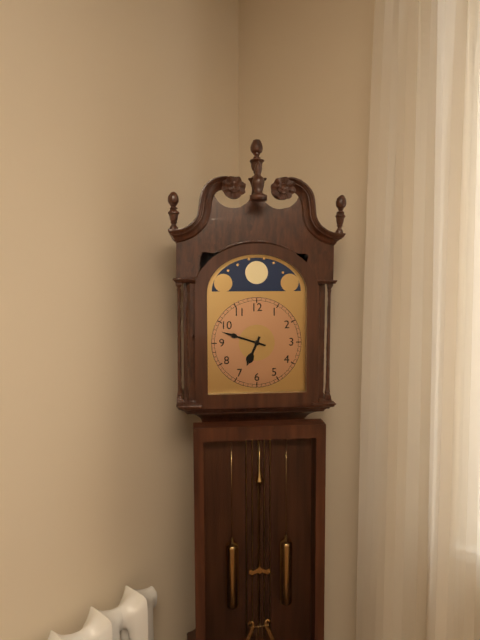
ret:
6:48
